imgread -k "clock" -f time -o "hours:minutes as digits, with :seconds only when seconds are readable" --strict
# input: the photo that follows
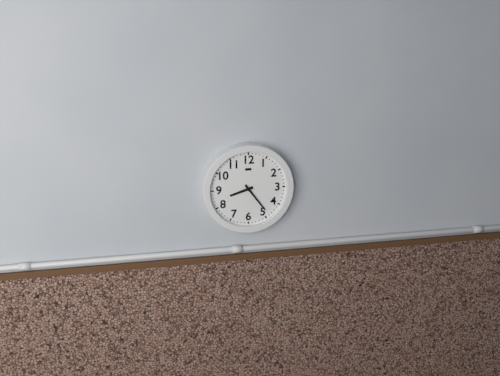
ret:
8:24
